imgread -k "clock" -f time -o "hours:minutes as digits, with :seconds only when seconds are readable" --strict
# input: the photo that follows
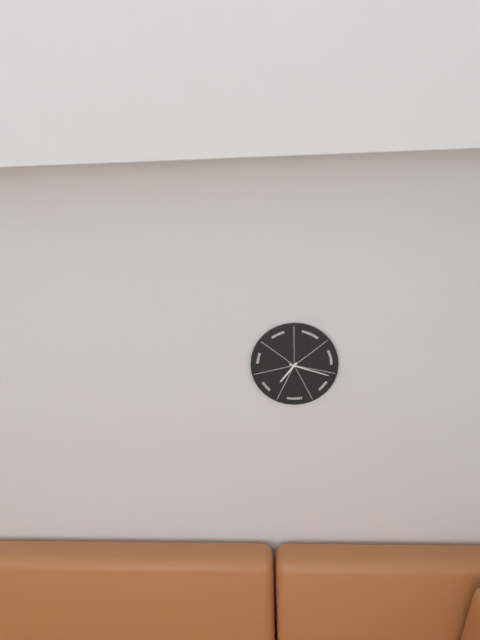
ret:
7:18
